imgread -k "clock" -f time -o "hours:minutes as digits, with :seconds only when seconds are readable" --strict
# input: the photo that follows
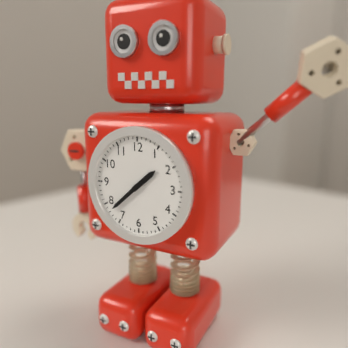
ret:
1:38
